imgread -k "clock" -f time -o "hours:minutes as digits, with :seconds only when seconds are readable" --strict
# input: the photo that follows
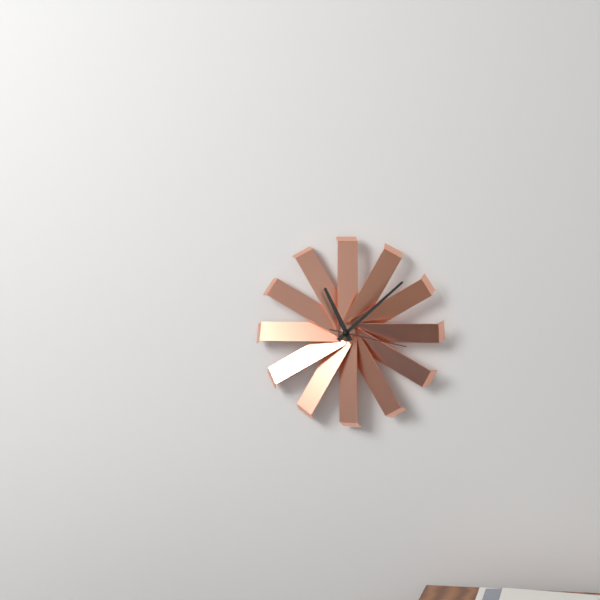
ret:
11:08:17
